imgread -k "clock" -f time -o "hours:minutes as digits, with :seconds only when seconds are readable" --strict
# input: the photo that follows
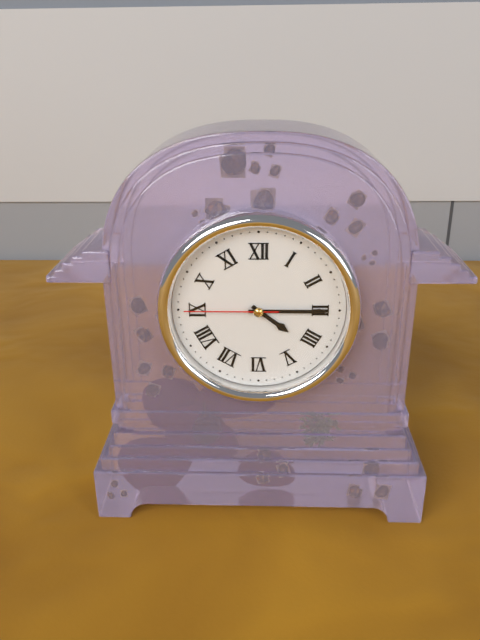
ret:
4:15:45
